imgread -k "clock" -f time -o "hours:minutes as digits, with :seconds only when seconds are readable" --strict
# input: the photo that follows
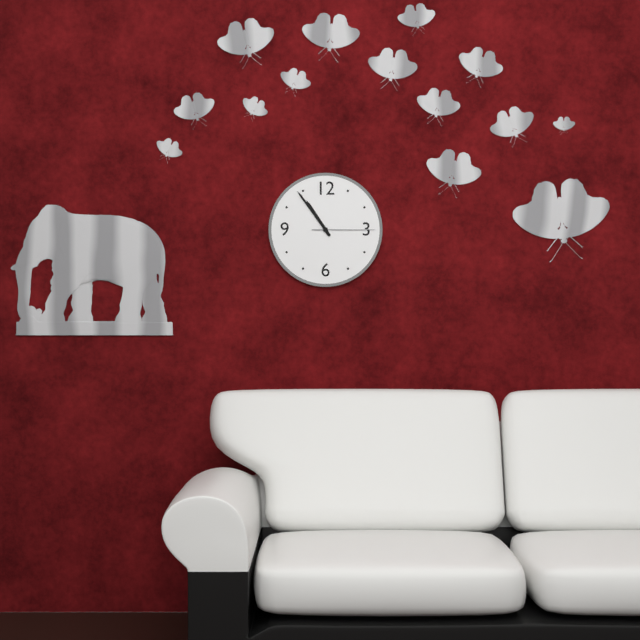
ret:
10:54:15
